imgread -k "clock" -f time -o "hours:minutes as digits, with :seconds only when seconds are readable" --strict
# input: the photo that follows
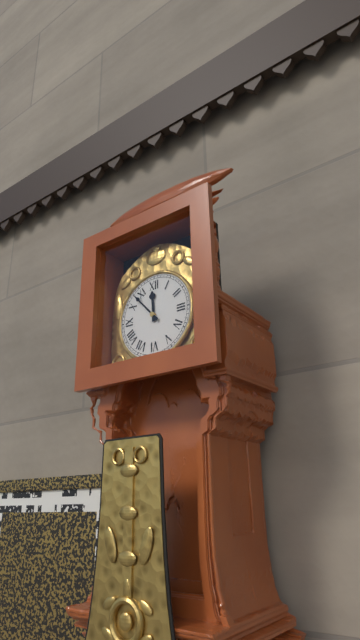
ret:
11:53
